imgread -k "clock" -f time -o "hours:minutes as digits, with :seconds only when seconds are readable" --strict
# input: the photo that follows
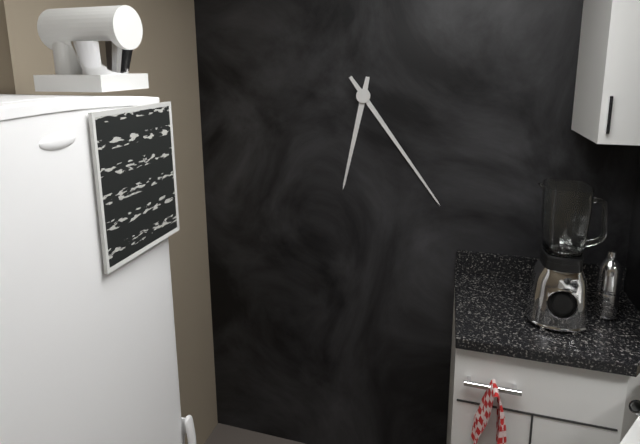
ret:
6:24
